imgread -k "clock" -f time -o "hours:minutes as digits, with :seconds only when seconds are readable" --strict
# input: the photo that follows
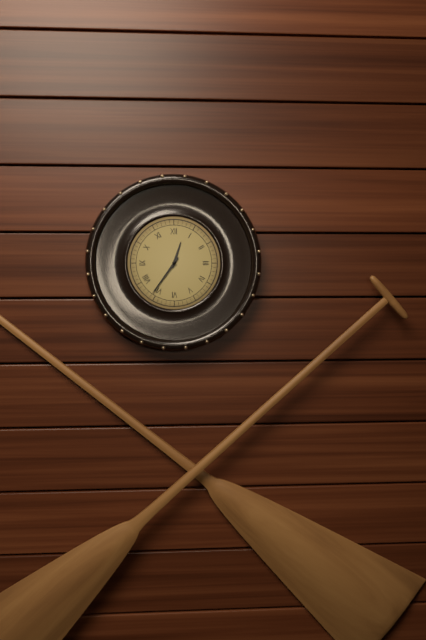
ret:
12:36
